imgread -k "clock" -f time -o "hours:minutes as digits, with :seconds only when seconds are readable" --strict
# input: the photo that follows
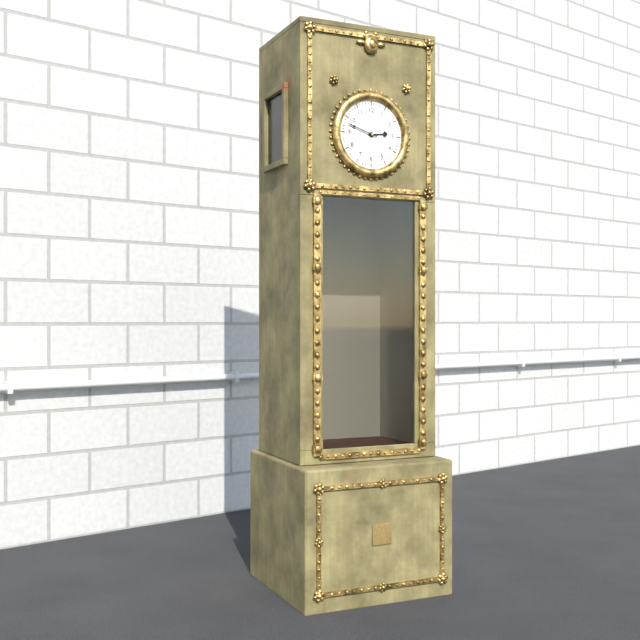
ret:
2:48
